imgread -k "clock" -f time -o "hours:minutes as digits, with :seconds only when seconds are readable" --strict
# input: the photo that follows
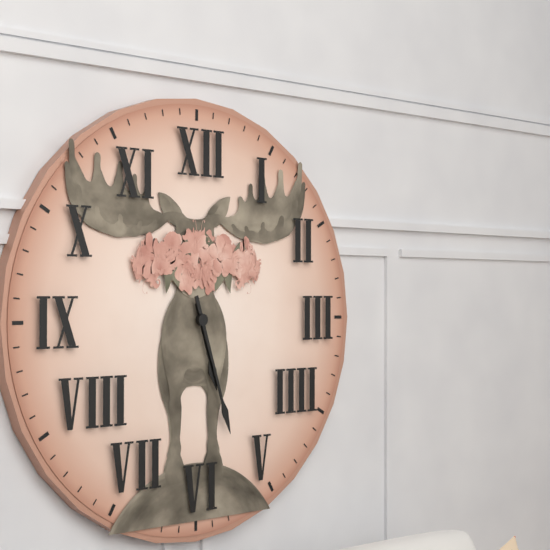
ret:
5:27
